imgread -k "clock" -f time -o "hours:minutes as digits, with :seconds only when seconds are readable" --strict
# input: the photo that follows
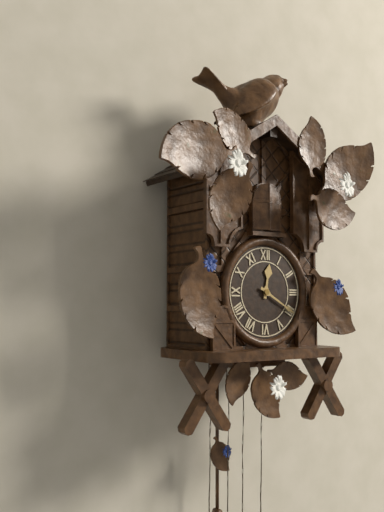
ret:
12:20
